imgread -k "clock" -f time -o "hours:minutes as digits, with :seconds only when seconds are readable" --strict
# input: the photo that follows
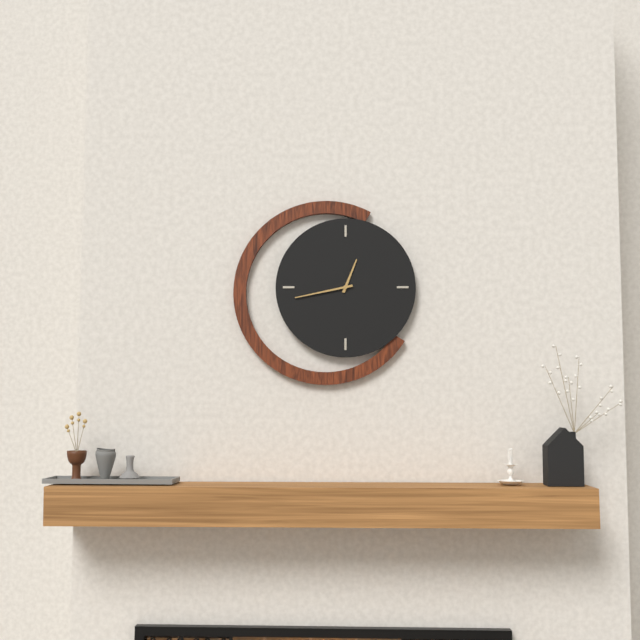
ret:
12:43
